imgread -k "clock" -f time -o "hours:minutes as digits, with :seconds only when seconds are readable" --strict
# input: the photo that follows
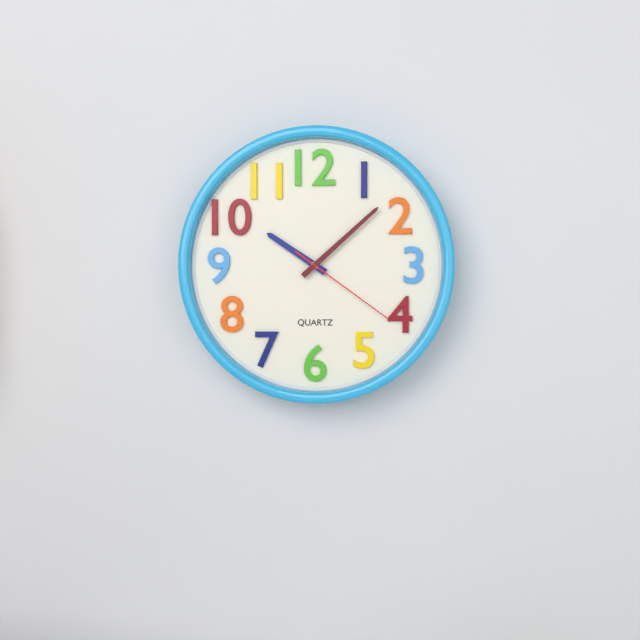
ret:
10:08:21
